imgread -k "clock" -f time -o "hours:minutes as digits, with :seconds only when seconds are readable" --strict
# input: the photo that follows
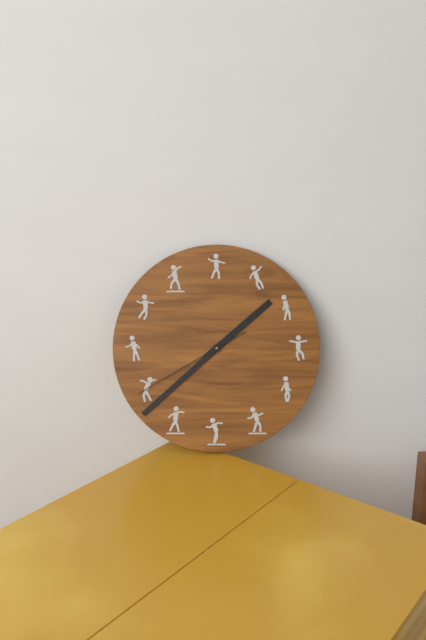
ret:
1:38:40
